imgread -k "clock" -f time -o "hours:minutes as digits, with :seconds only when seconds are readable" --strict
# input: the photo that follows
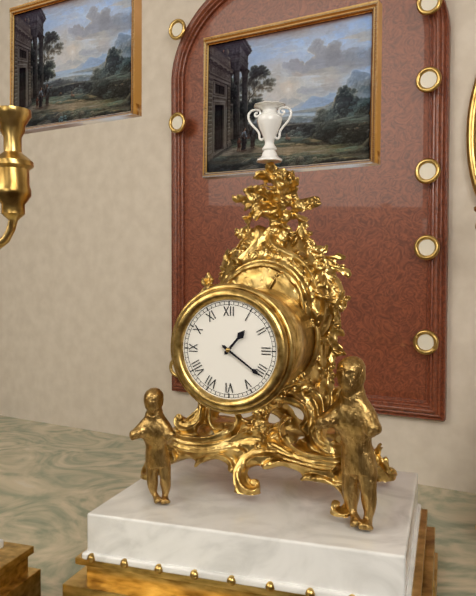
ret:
1:21
